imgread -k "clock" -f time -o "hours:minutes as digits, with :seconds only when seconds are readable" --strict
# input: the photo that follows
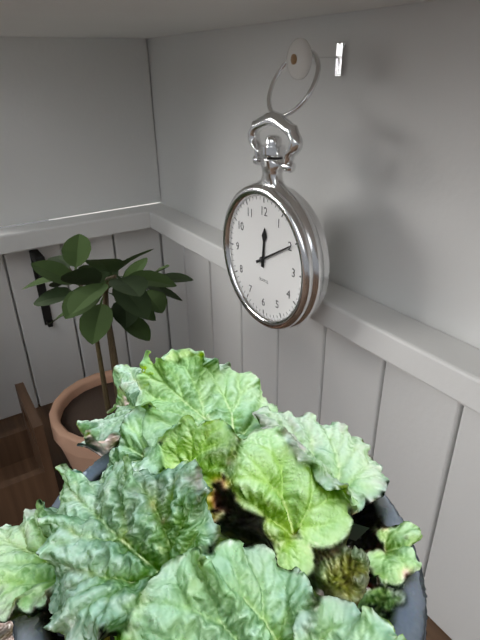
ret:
12:10
